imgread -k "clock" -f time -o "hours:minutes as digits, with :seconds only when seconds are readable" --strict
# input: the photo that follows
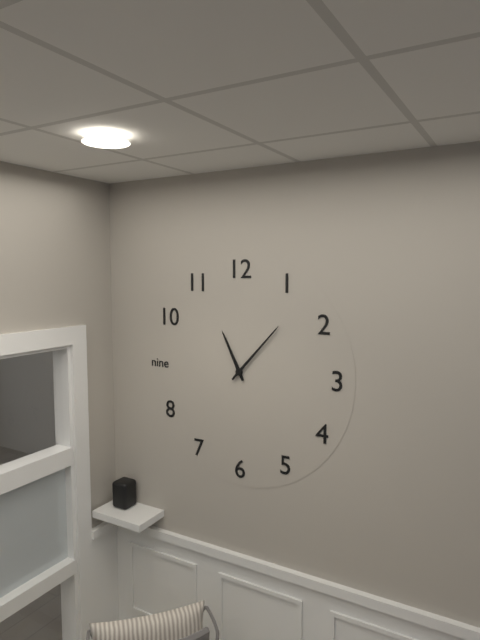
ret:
11:07
